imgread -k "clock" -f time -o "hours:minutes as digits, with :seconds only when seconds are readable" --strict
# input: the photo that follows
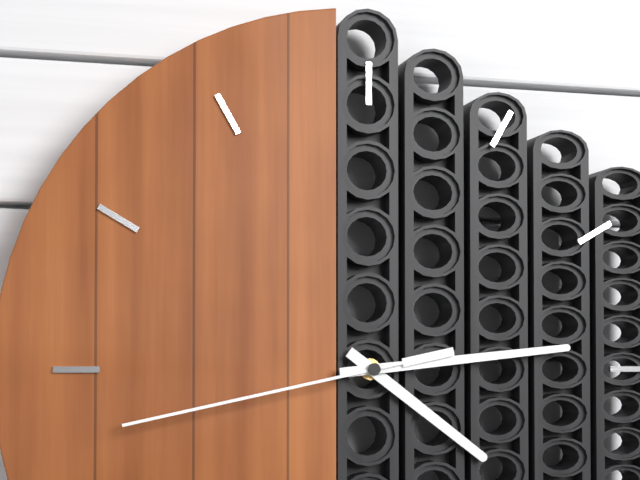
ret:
4:14:43
